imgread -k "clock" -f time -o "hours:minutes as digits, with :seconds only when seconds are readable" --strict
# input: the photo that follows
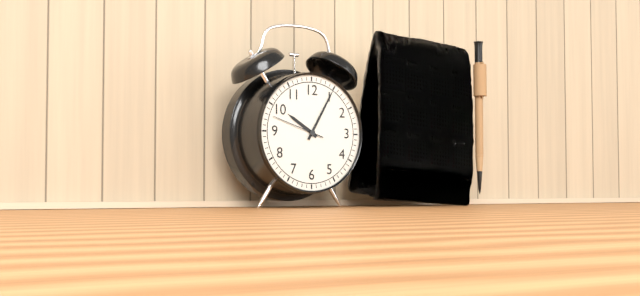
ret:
10:05:48
